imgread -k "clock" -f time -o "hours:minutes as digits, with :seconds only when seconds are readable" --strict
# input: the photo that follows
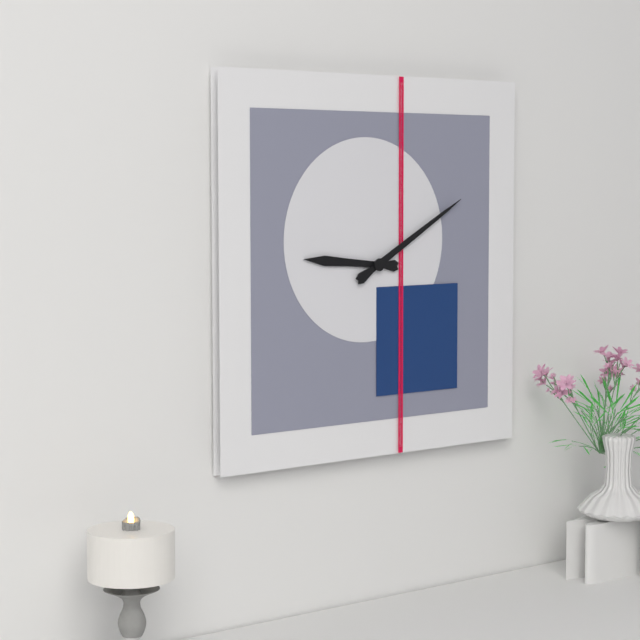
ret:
9:10
